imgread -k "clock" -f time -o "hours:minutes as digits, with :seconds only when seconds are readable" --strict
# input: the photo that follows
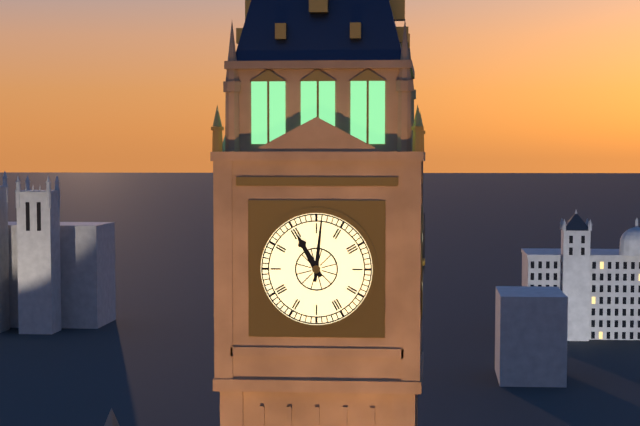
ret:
11:01
